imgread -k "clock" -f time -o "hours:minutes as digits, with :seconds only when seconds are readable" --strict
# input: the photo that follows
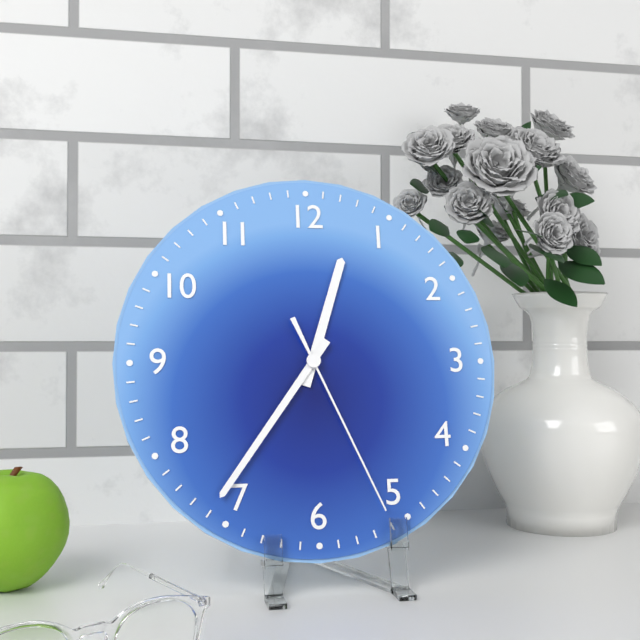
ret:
12:36:26
